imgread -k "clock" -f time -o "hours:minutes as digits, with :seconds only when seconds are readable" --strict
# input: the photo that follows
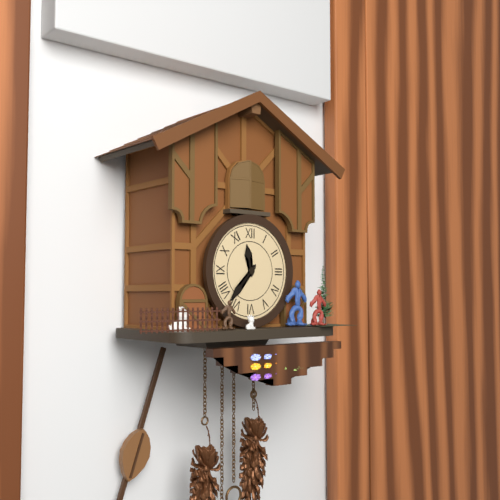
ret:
11:37
